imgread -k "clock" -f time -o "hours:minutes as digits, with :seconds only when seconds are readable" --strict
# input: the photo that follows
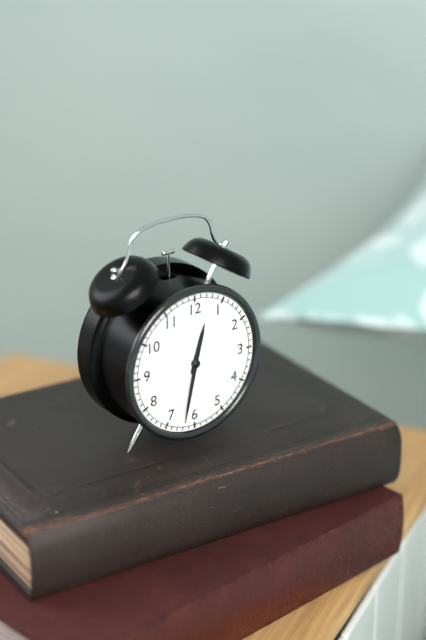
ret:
12:32
